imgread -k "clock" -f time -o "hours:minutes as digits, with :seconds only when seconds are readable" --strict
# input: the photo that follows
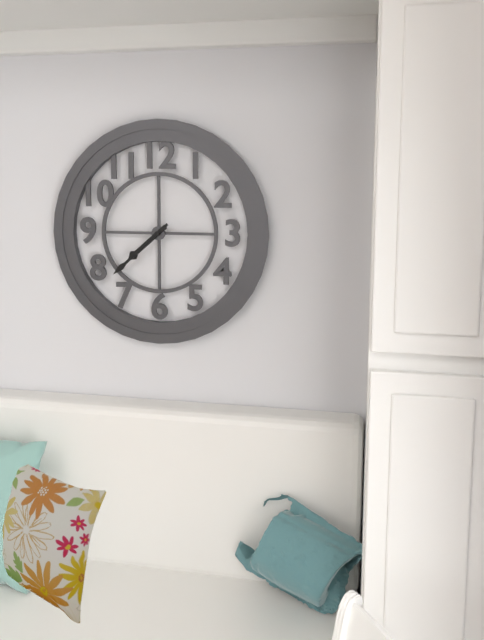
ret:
7:38
